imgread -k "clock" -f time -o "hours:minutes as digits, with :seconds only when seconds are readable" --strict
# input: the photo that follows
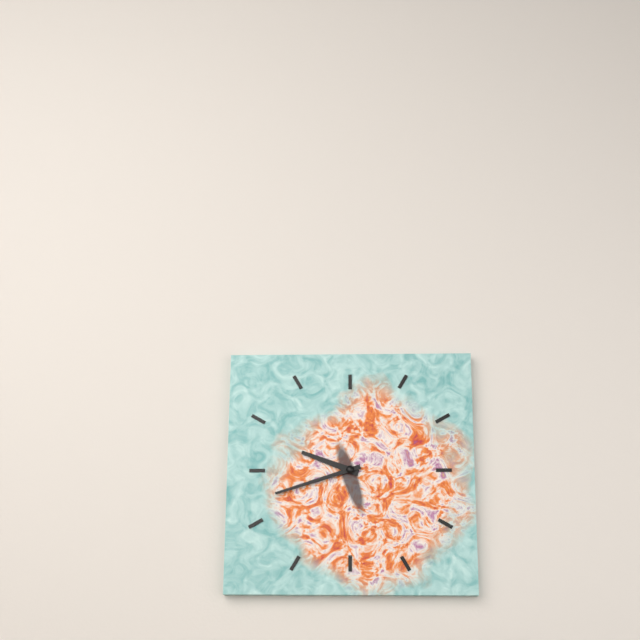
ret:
9:42
